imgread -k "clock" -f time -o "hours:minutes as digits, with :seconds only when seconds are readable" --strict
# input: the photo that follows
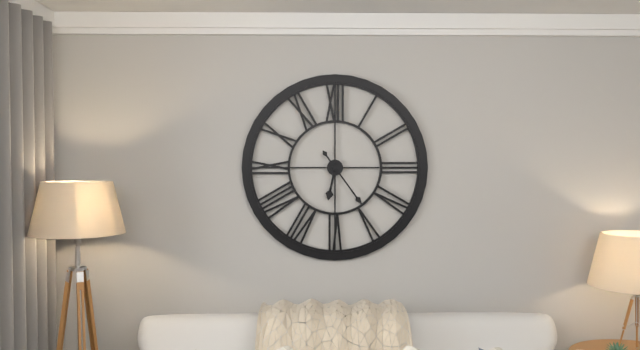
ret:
6:24
